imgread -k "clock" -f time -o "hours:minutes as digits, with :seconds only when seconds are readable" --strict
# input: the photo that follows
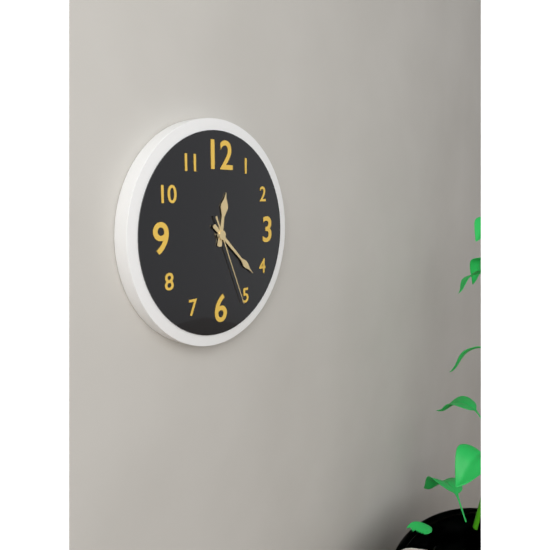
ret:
12:22:26
